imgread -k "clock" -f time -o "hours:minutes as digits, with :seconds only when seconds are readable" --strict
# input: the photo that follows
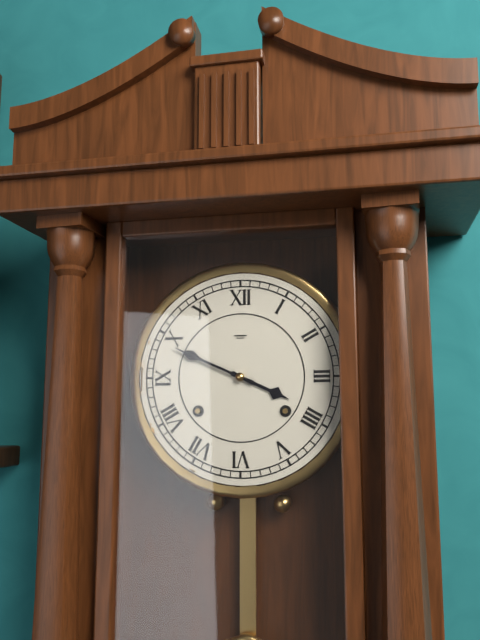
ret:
3:49
